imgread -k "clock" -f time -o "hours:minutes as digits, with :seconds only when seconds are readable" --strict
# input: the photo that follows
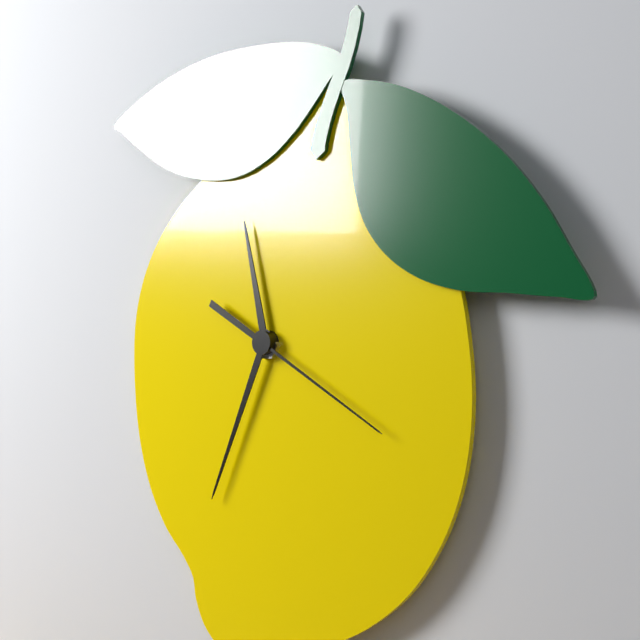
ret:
11:34:20
